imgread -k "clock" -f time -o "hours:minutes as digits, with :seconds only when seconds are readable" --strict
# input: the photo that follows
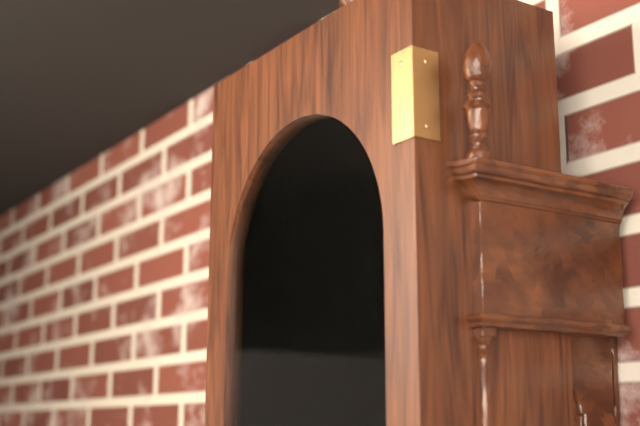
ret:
1:24
